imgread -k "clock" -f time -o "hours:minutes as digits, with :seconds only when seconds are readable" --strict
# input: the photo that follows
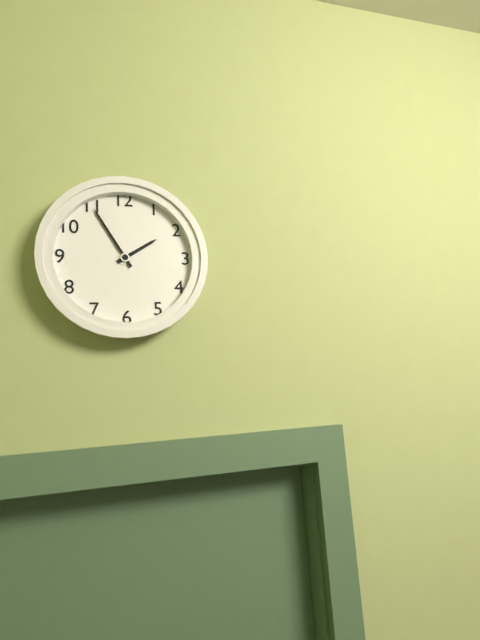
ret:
1:55
